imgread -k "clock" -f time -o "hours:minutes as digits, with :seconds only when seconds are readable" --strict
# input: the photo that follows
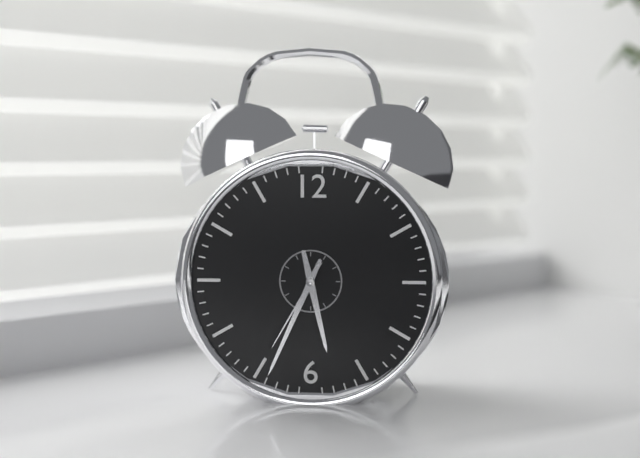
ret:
5:34:35
